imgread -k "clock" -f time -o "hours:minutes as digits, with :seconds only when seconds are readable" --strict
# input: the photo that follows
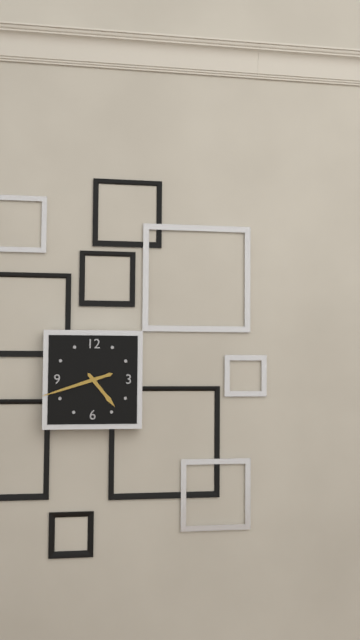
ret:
4:42
